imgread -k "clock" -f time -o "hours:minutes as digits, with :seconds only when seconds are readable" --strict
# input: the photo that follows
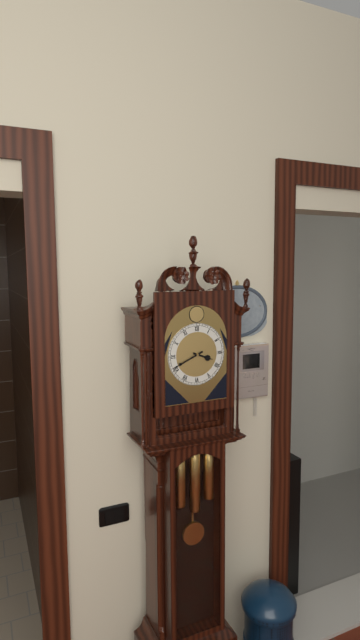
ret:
3:41
